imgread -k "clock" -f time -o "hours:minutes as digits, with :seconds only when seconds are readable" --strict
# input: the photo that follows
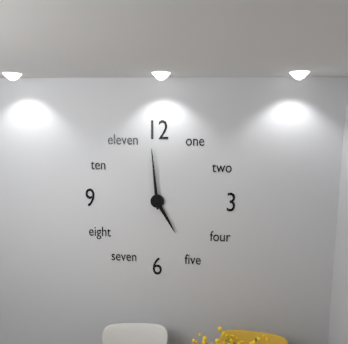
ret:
4:59
